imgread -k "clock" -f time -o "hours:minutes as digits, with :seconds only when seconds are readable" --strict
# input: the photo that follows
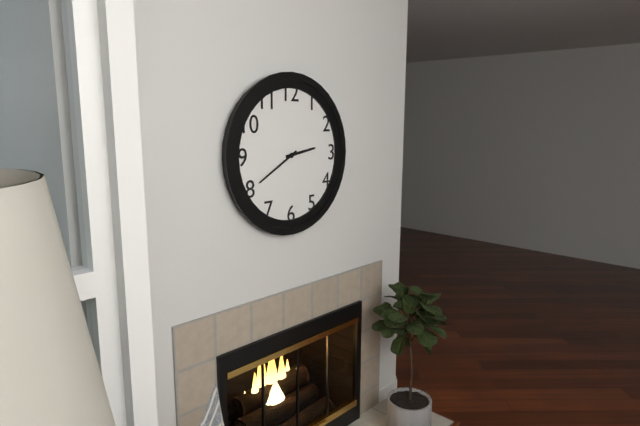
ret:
2:40
